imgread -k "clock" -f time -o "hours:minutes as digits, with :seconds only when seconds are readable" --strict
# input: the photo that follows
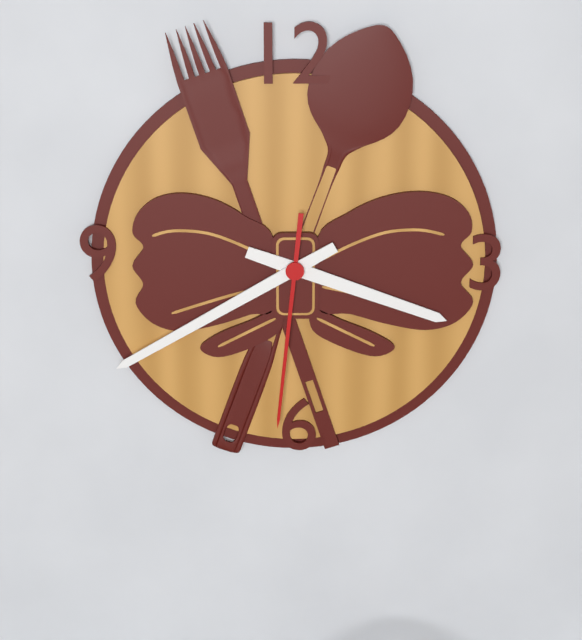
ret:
3:40:31
